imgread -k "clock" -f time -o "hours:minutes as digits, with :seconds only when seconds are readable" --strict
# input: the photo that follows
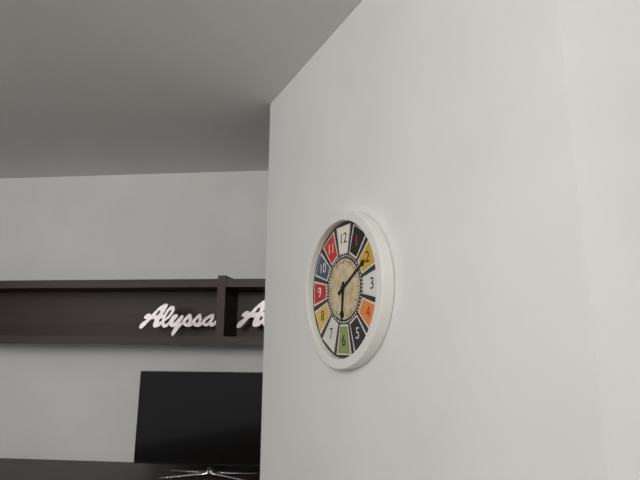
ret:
6:10
